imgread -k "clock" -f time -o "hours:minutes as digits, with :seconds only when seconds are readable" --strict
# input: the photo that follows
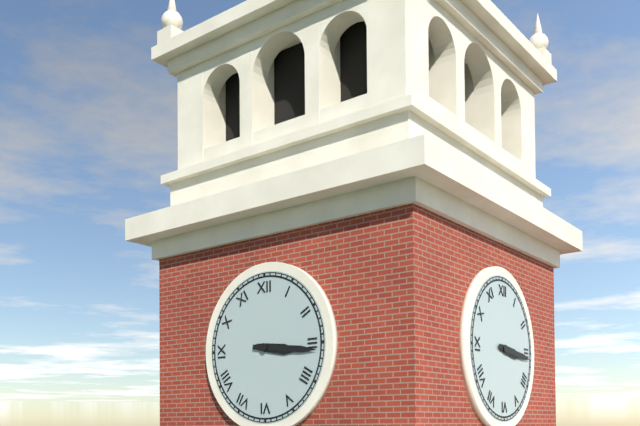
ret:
3:16
